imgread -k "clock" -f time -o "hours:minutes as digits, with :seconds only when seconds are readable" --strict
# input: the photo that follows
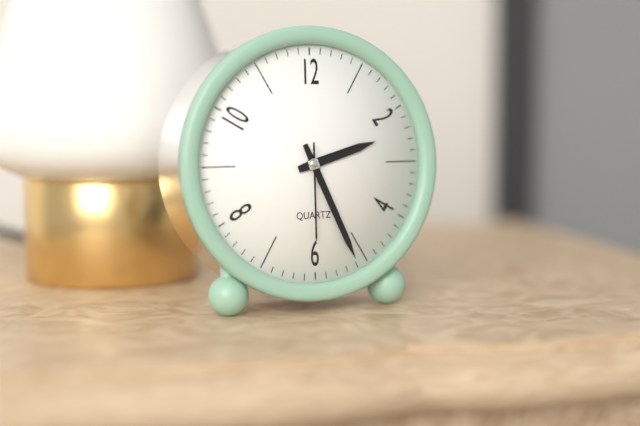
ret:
2:26:30
